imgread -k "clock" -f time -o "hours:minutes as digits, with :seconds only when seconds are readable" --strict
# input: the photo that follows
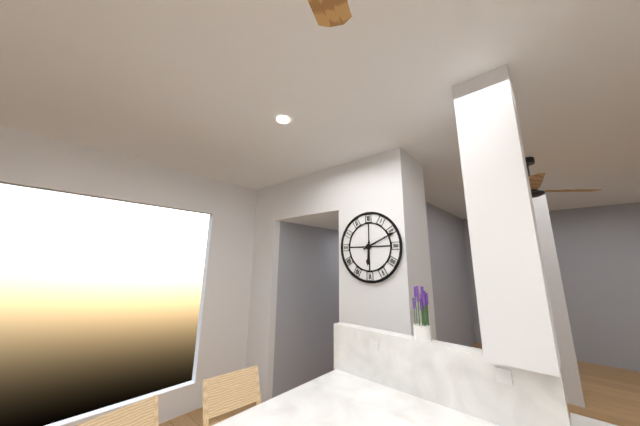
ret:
6:11
